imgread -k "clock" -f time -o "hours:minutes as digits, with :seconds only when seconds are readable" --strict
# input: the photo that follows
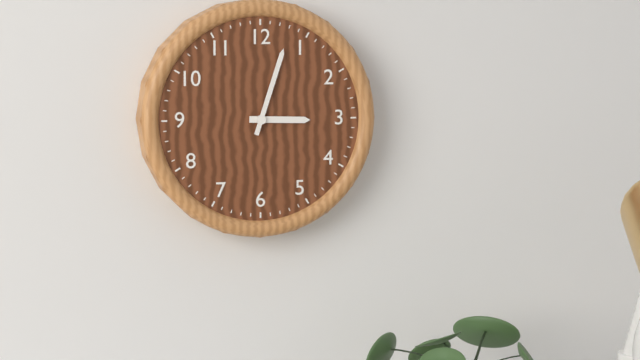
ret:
3:03
